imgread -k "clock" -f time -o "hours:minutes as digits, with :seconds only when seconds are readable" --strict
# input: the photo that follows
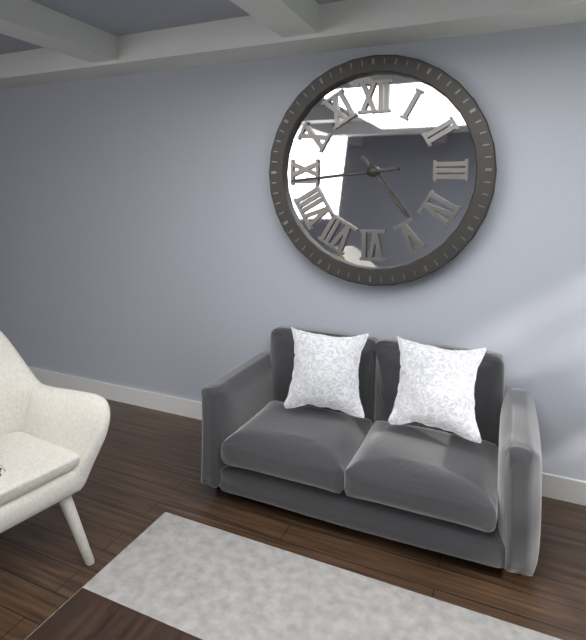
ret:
4:44
